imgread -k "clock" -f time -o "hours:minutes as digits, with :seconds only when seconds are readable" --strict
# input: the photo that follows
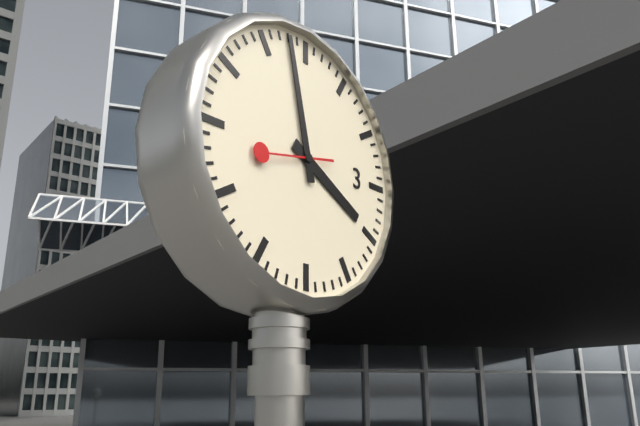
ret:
3:58:43
